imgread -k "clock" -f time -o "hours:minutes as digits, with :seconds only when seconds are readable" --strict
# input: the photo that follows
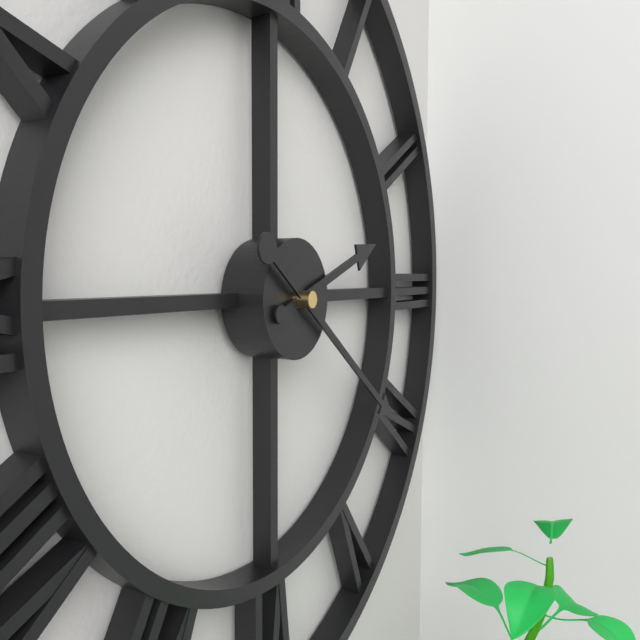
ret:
2:21
